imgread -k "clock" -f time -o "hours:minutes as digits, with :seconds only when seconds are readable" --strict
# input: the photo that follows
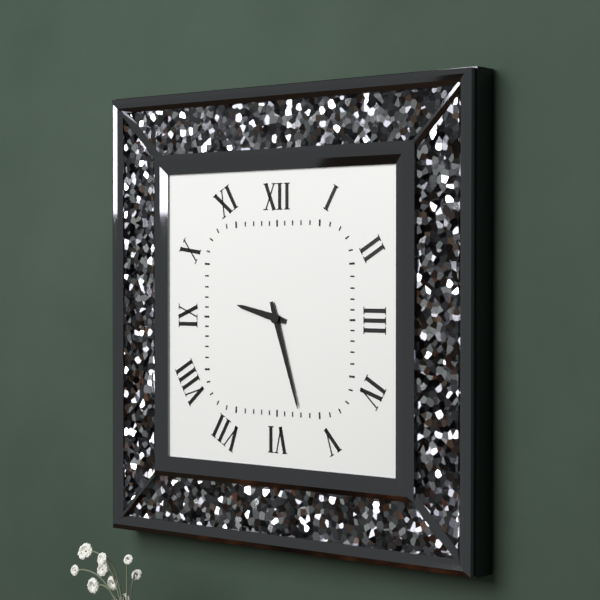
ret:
9:27
